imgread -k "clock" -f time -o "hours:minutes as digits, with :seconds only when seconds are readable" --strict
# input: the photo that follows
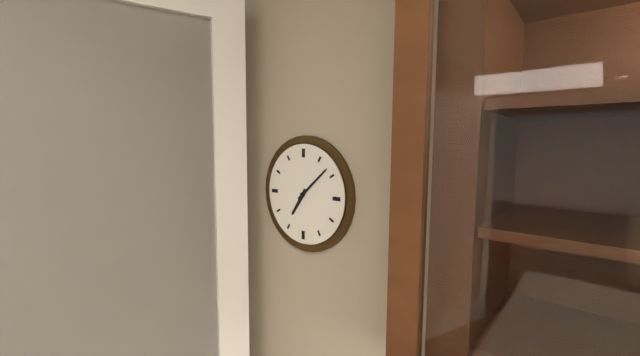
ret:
7:08
